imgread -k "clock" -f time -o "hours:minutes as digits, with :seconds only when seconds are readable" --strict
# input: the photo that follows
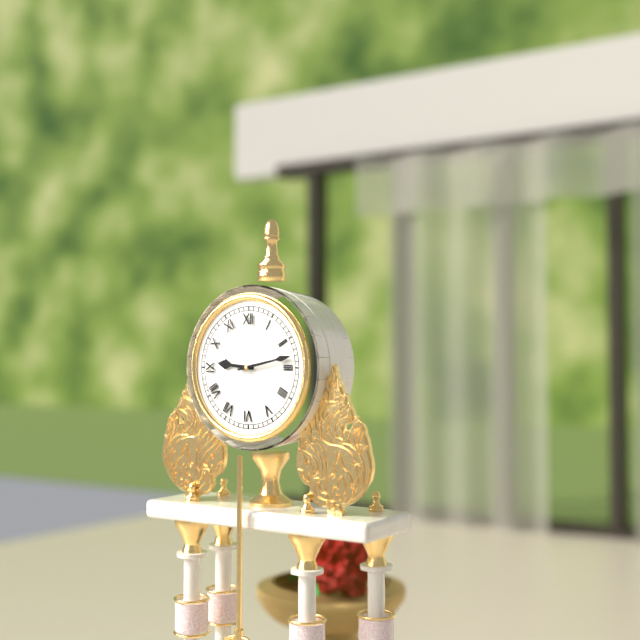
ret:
9:13
